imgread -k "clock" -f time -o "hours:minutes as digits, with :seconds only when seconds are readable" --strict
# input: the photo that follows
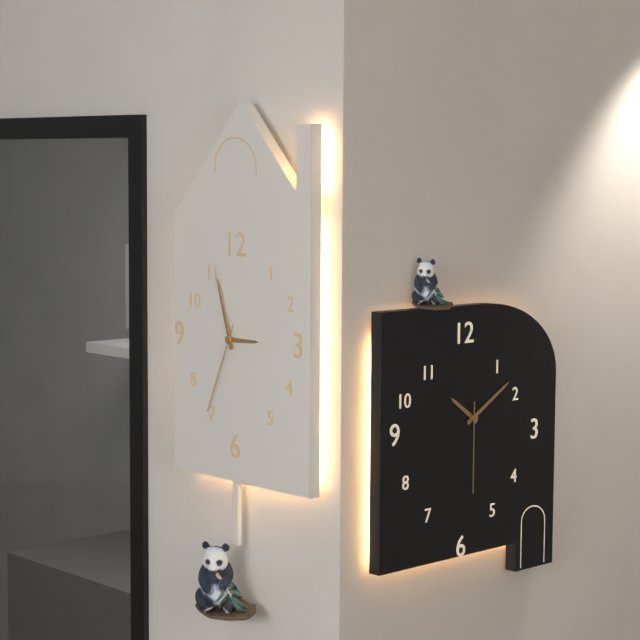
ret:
2:57:34
